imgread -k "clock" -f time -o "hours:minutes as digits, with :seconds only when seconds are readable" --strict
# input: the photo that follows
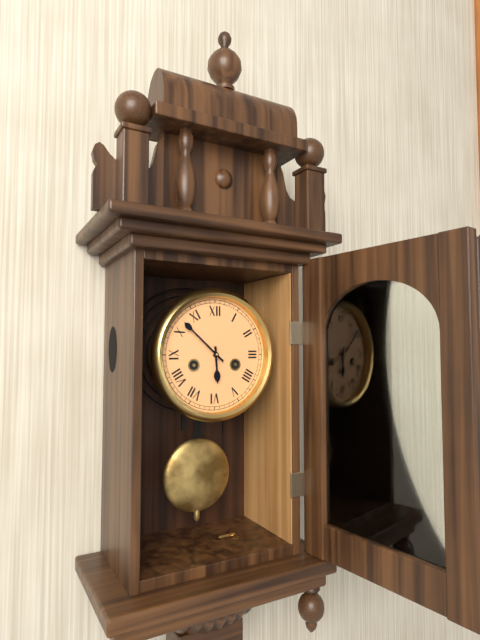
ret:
5:52
